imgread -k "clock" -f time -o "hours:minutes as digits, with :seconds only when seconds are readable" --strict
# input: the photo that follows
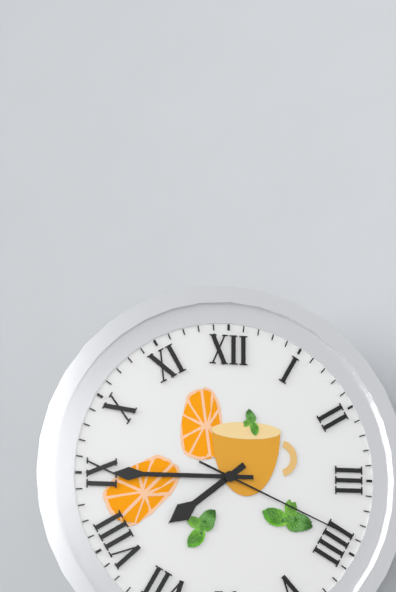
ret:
7:45:19
